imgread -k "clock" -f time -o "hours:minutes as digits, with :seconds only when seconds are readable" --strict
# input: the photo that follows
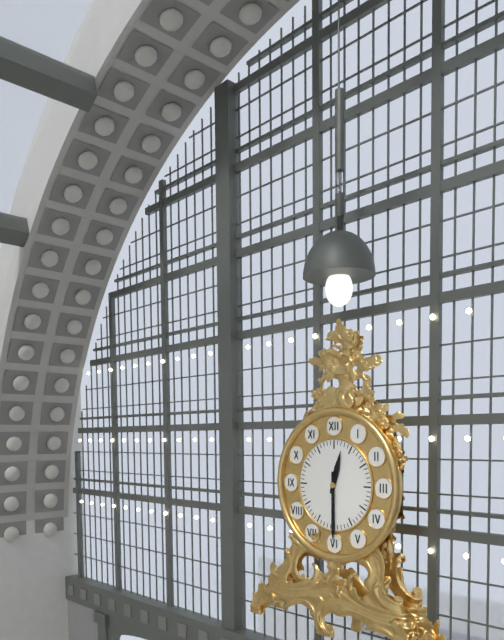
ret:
12:30
